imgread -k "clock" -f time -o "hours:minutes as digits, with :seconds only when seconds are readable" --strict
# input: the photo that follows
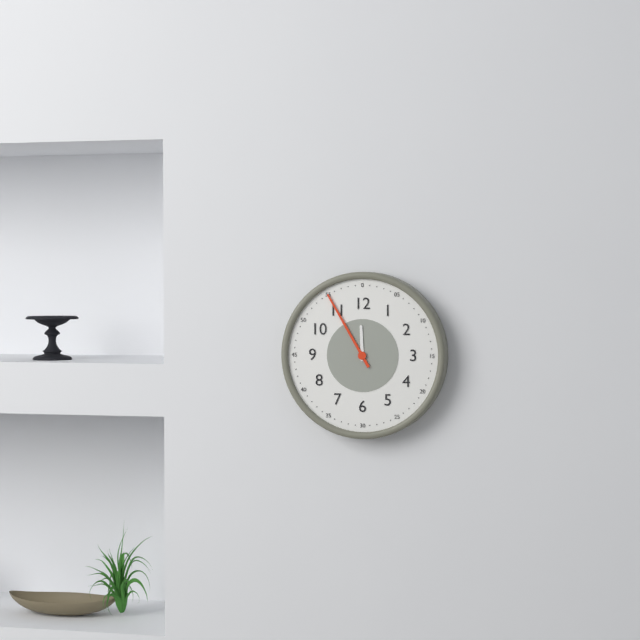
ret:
11:55
